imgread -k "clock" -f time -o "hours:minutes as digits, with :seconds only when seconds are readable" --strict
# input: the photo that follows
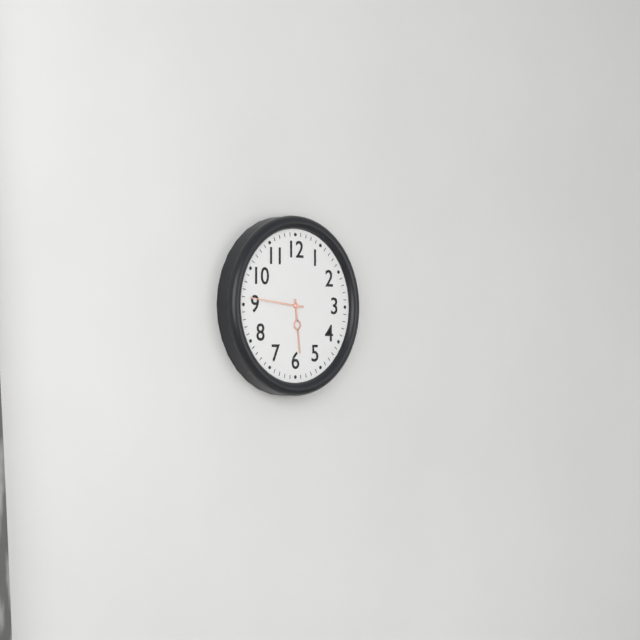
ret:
5:46
